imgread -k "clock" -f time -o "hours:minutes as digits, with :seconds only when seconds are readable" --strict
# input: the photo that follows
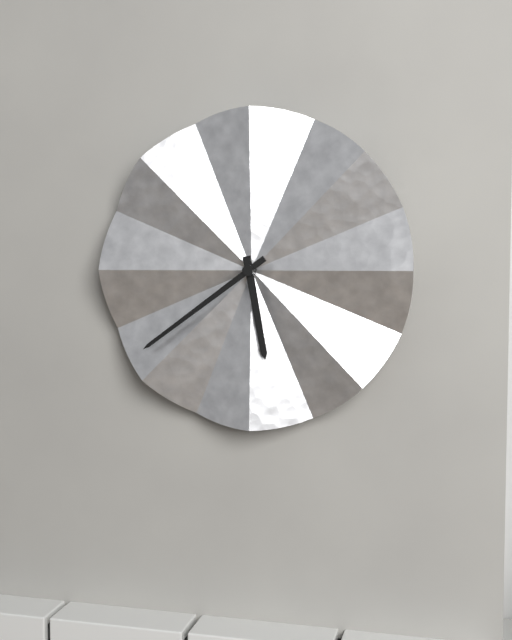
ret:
5:39
